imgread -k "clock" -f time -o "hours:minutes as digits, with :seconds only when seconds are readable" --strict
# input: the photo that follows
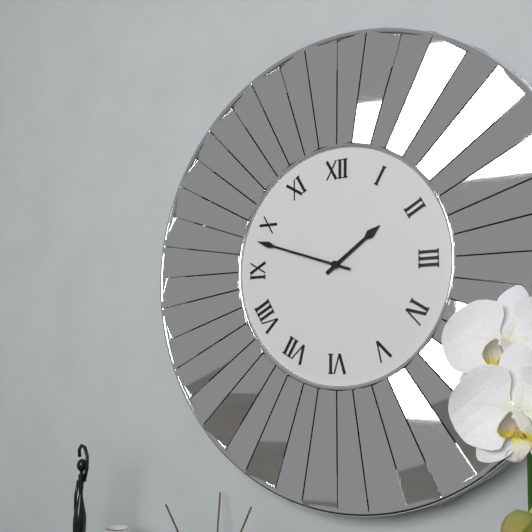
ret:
1:48
